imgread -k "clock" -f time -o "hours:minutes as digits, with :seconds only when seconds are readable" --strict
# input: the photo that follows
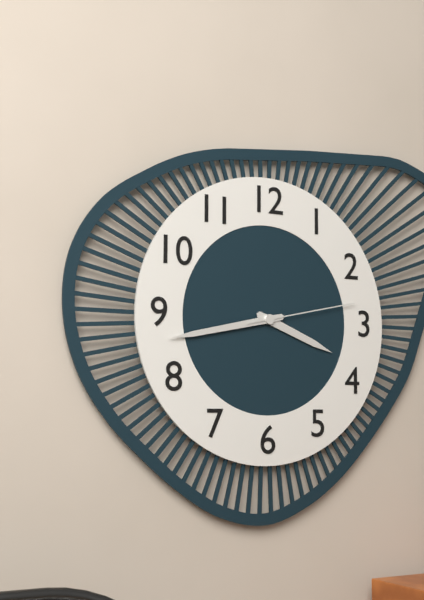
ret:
3:43:13
